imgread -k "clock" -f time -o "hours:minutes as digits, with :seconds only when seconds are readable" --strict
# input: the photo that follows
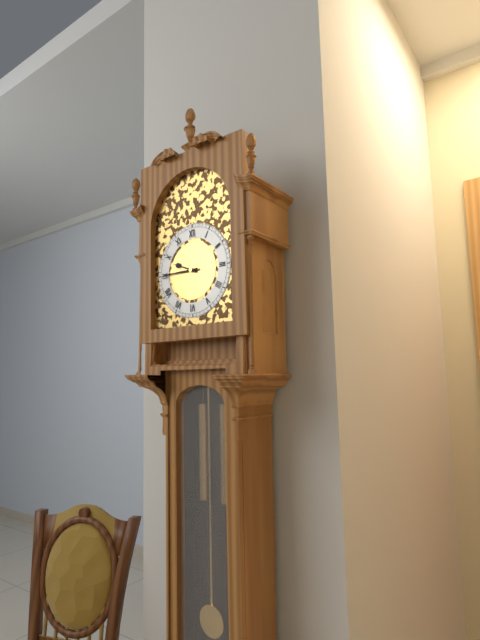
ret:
9:45
